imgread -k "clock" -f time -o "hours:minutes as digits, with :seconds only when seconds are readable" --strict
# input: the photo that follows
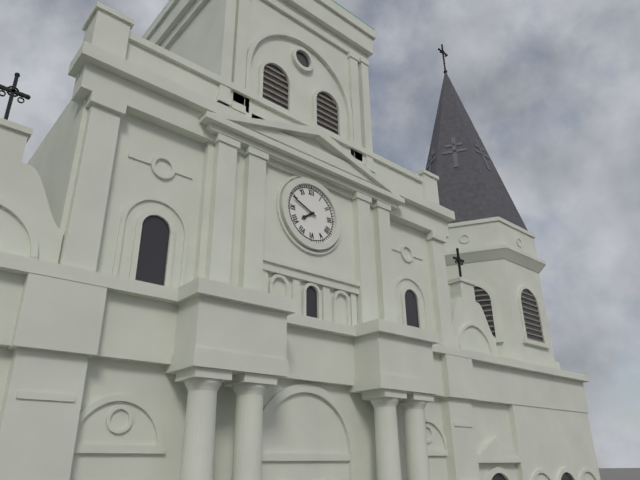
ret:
7:49
